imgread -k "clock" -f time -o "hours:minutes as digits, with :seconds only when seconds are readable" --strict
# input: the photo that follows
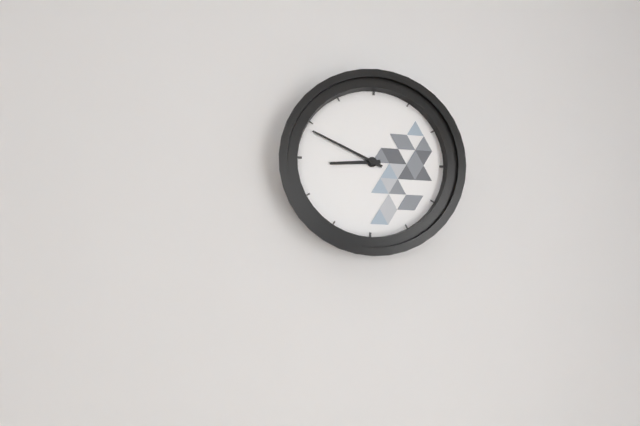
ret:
8:49
